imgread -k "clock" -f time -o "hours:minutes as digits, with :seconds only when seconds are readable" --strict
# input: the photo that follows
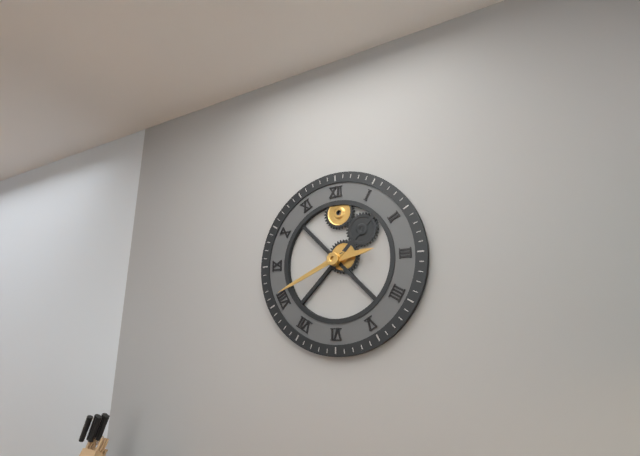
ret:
2:41
